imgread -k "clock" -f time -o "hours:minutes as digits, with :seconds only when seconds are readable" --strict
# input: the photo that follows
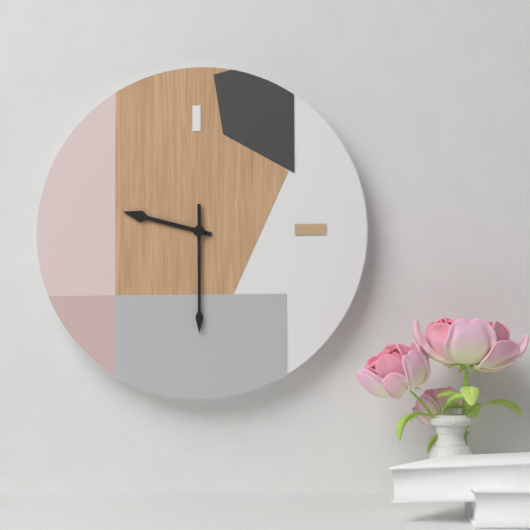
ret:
9:30
